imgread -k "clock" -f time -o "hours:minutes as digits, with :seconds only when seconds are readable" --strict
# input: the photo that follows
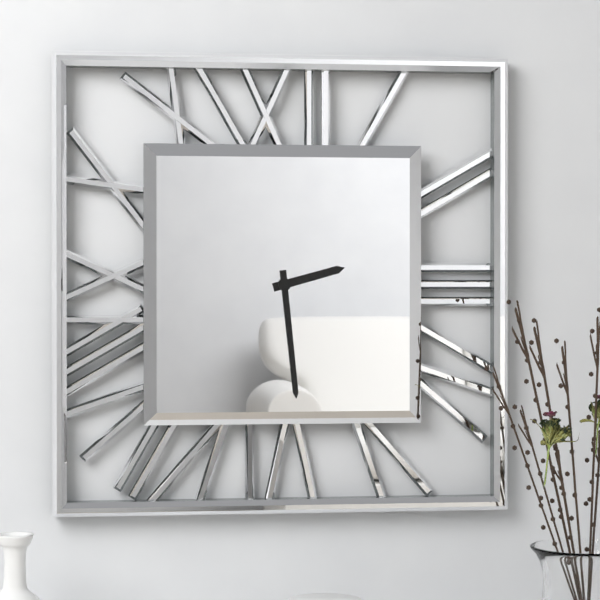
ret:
2:29
